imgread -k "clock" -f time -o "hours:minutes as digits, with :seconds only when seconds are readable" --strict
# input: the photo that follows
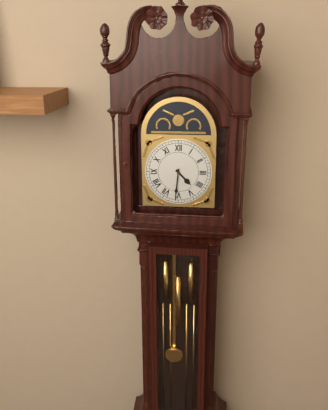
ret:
4:31
